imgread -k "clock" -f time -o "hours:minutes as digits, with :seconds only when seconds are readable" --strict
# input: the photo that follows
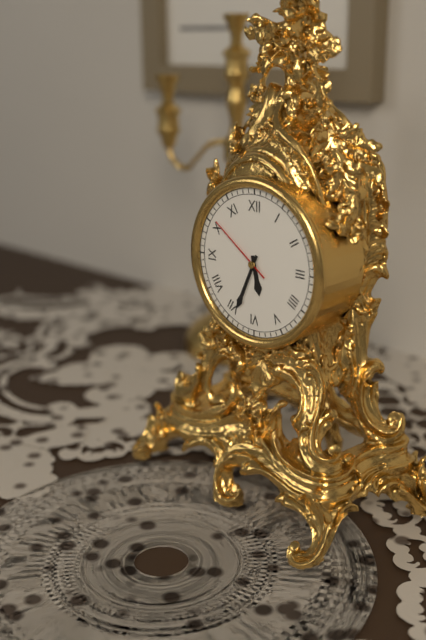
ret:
5:34:51
